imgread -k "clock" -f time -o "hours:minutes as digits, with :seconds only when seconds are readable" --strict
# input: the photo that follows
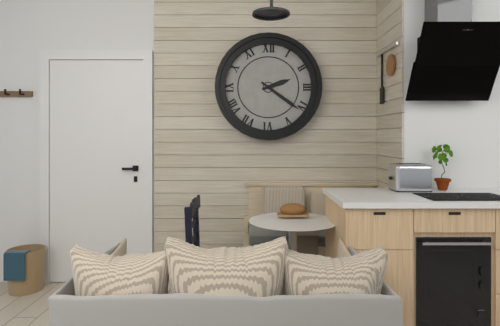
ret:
2:21
